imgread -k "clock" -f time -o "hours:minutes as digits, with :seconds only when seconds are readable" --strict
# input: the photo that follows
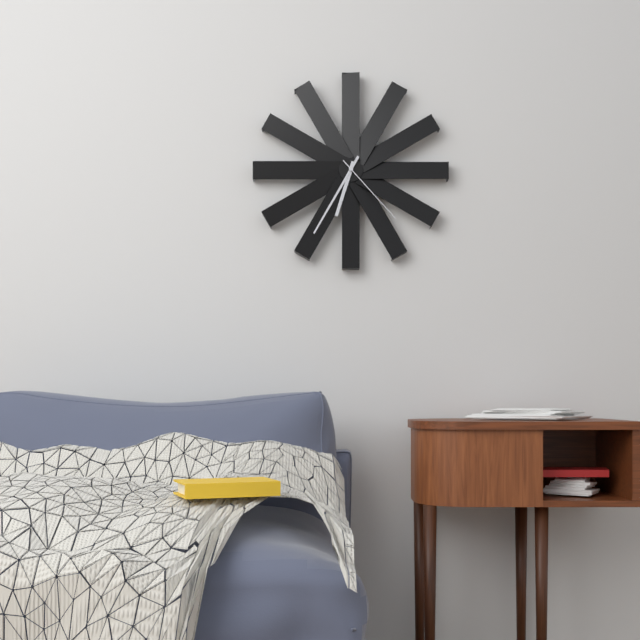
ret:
6:35:23
